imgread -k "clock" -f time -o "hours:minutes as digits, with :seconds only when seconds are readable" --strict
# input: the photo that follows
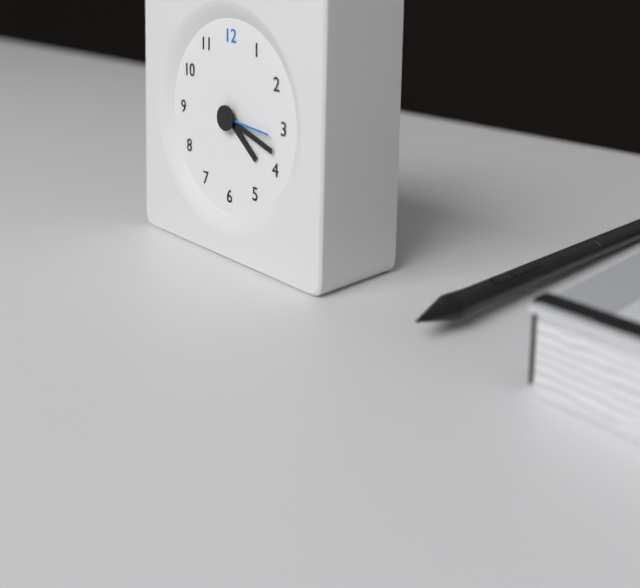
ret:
4:18:16
